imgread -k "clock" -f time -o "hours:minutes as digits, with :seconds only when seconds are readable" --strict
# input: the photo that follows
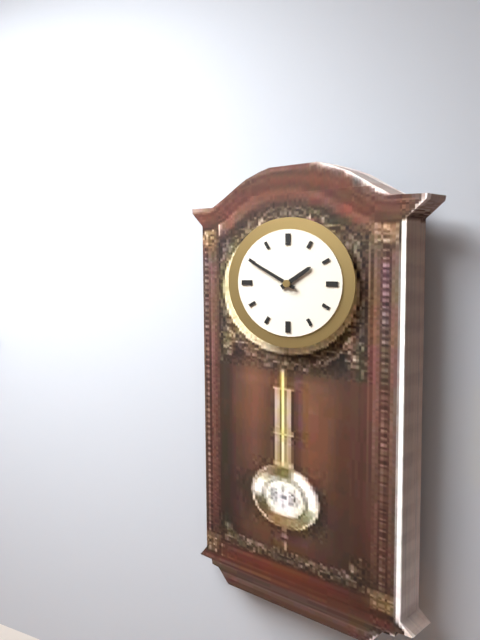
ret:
1:50
